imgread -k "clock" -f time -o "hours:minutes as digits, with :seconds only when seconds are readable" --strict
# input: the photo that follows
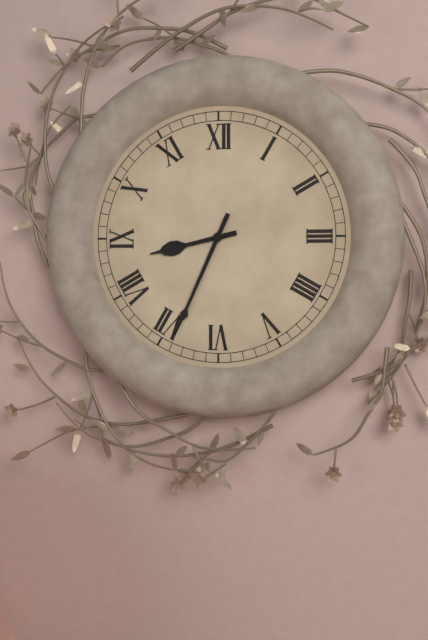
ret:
8:34
